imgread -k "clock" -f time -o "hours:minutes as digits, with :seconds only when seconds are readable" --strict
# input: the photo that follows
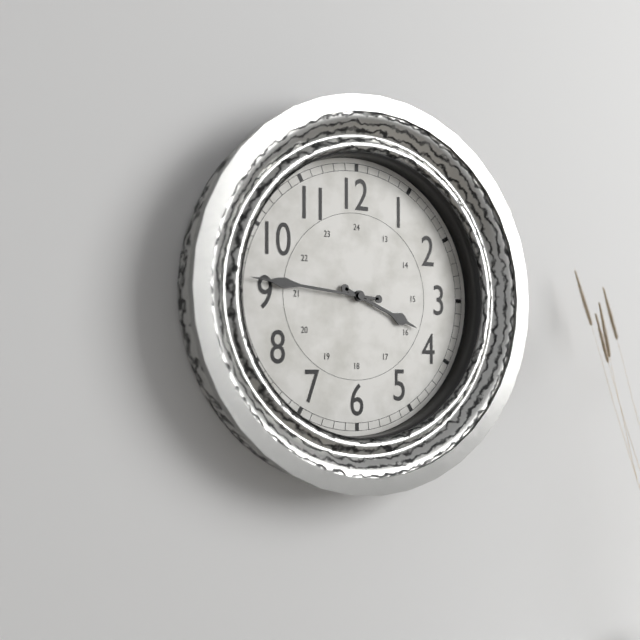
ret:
3:46
